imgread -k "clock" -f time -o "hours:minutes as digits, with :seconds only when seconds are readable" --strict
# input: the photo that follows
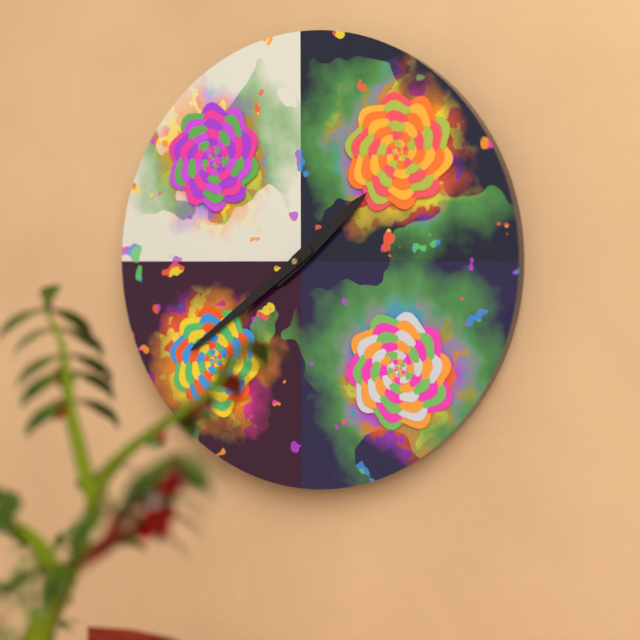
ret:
1:39
